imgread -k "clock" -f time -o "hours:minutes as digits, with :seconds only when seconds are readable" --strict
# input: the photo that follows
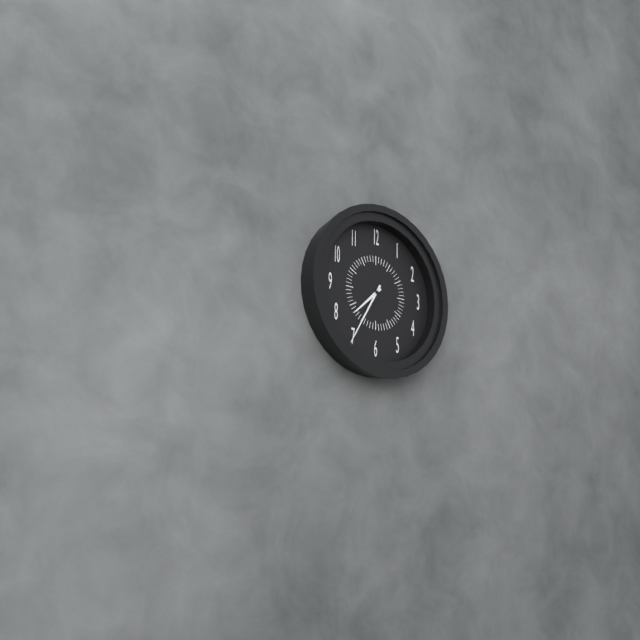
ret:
7:35
